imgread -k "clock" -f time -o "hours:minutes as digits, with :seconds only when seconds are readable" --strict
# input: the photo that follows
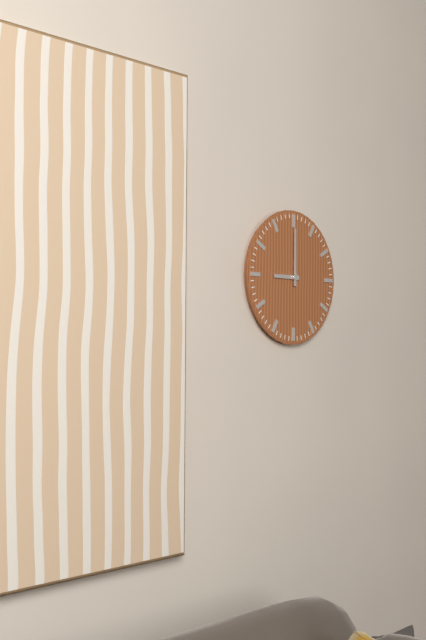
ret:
9:00
